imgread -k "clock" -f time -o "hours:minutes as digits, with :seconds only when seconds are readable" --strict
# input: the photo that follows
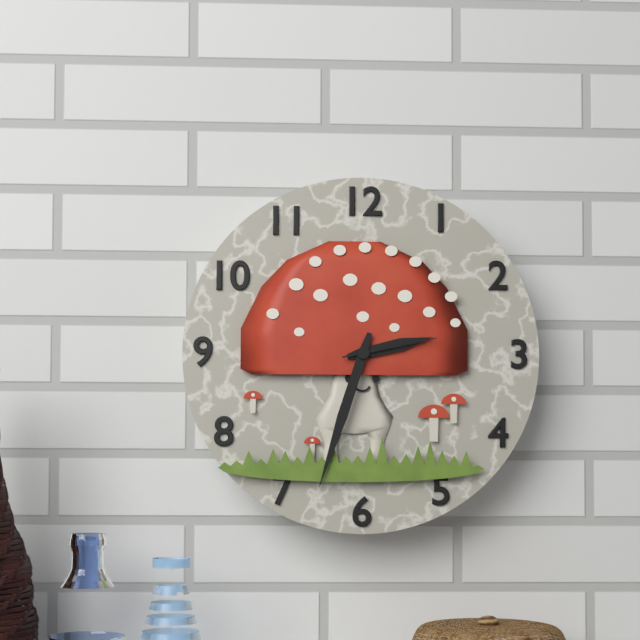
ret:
2:33:13
